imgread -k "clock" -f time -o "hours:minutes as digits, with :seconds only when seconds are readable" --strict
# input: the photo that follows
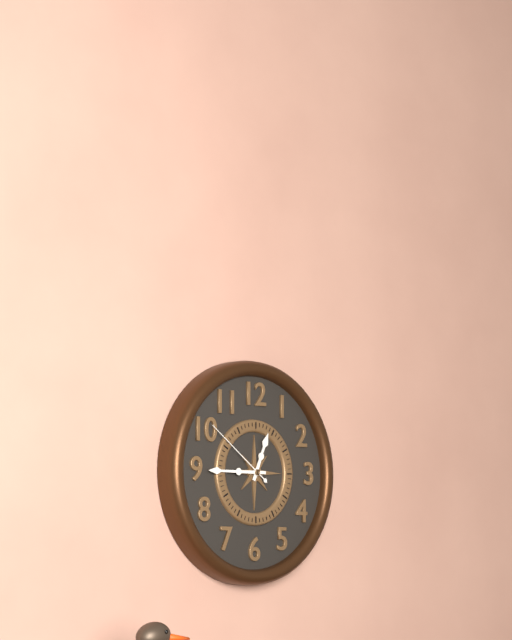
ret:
12:45:51
